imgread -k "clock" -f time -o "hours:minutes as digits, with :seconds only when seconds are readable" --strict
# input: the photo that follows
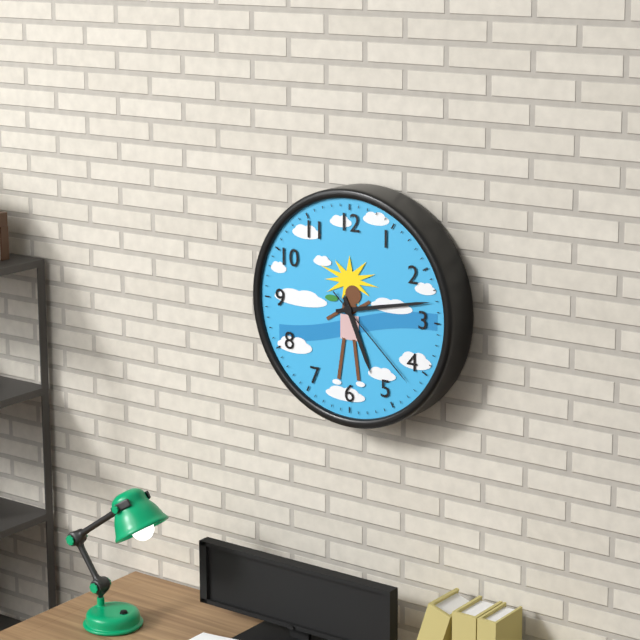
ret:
5:13:22
